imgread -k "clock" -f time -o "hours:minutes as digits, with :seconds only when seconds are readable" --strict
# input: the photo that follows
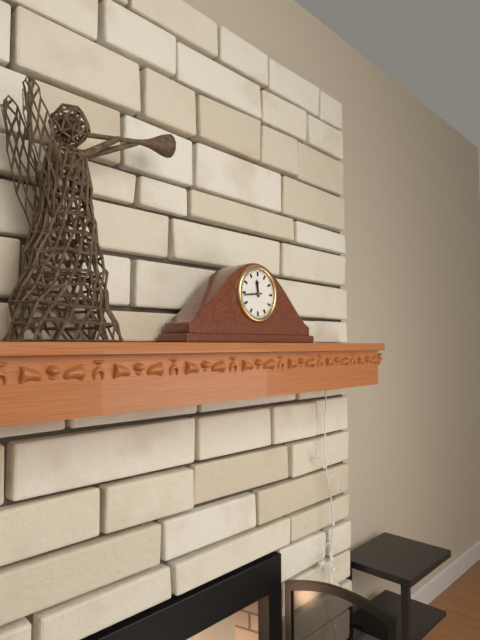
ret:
11:44
